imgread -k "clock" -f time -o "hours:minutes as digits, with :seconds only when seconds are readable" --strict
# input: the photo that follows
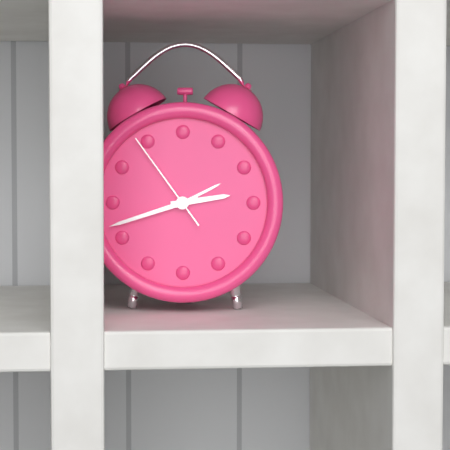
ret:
2:42:54
